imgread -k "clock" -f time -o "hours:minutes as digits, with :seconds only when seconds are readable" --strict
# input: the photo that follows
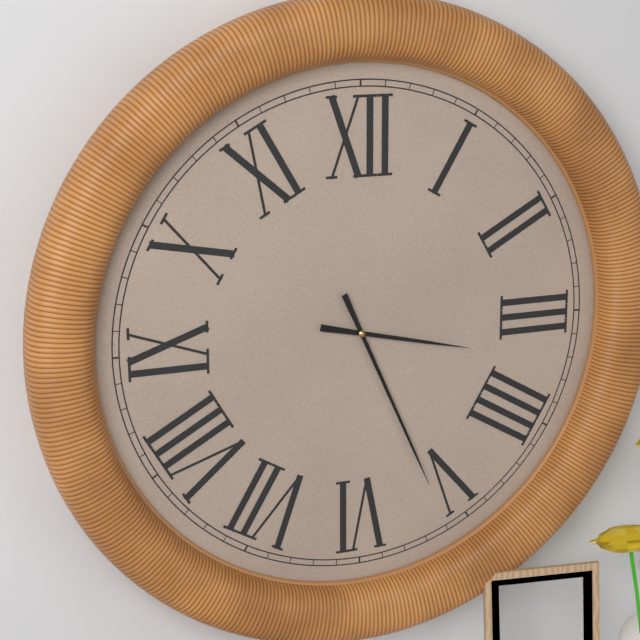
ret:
3:26
